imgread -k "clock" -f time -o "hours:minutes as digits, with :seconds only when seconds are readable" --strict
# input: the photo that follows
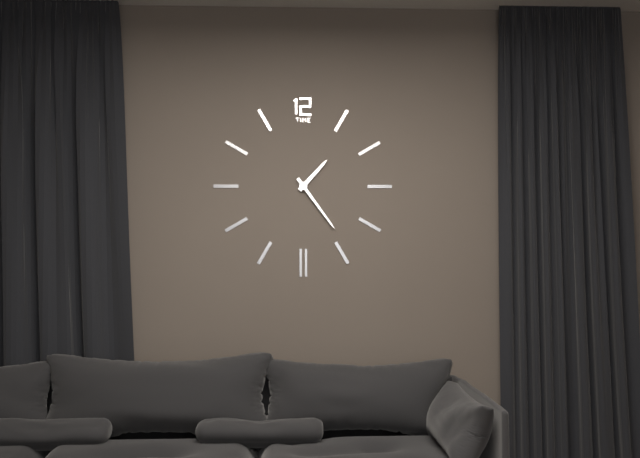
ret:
1:24
